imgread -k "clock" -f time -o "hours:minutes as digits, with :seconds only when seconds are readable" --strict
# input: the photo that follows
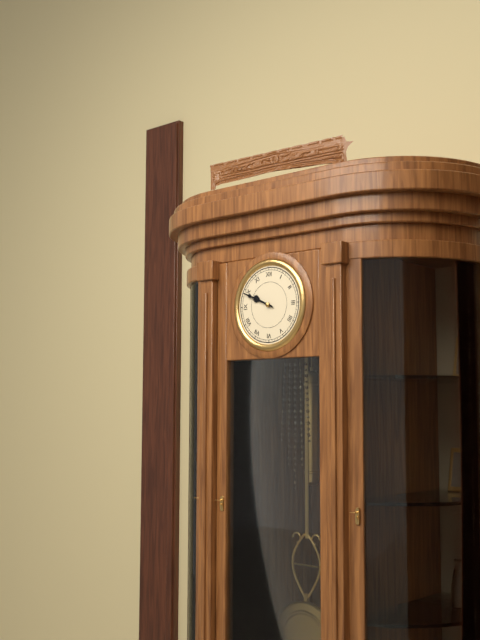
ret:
9:49
